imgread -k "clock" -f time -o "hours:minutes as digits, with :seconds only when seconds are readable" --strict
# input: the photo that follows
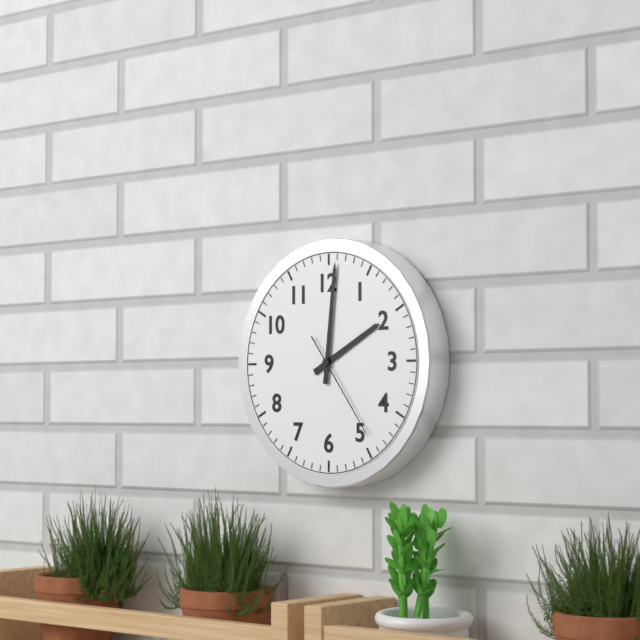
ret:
2:01:24
